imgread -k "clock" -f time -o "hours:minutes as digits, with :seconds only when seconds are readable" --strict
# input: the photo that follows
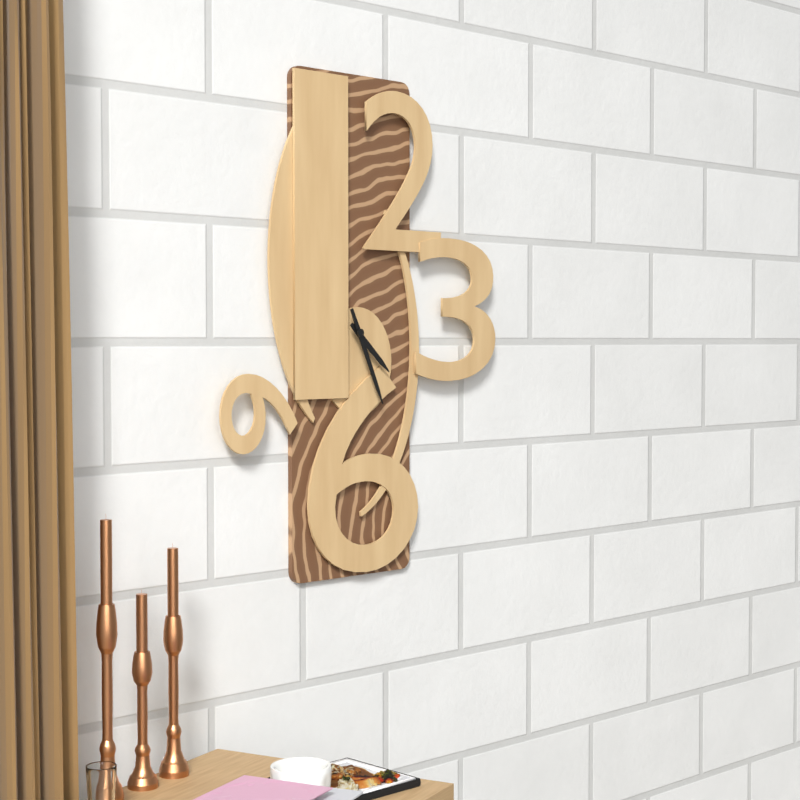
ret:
4:26
